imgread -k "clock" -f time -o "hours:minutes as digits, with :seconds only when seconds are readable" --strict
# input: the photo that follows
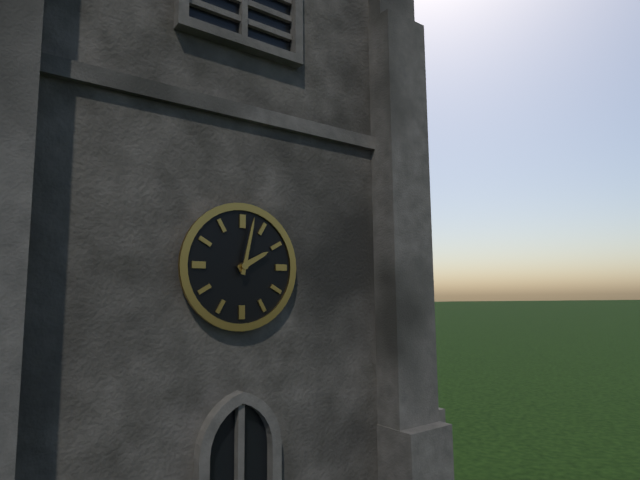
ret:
2:02
